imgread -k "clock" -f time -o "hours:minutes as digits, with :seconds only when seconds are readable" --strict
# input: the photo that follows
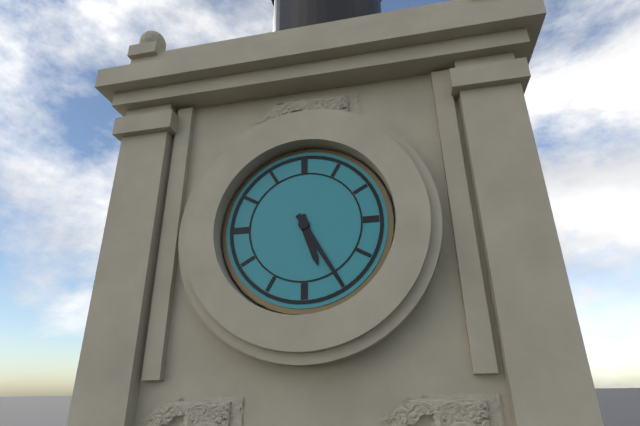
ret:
5:25
